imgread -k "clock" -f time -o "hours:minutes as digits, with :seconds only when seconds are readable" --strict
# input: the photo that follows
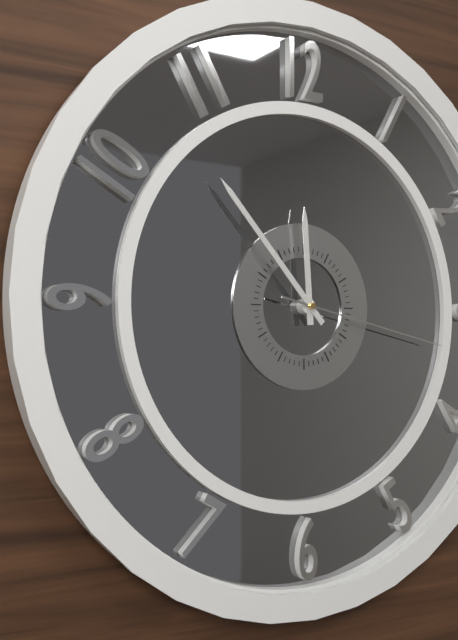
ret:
11:53:17
